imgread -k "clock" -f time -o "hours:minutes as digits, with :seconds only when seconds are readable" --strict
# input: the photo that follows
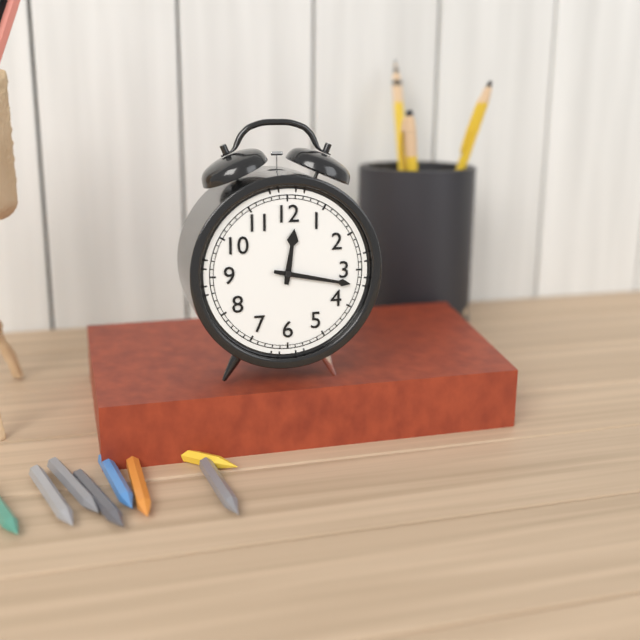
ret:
12:17
